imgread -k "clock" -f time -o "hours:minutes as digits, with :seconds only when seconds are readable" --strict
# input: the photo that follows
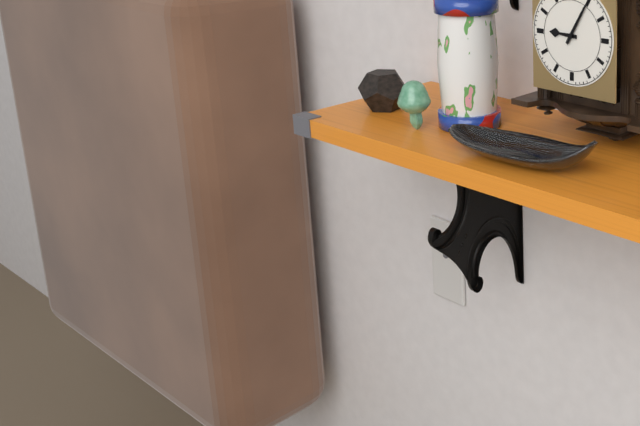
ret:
9:05
